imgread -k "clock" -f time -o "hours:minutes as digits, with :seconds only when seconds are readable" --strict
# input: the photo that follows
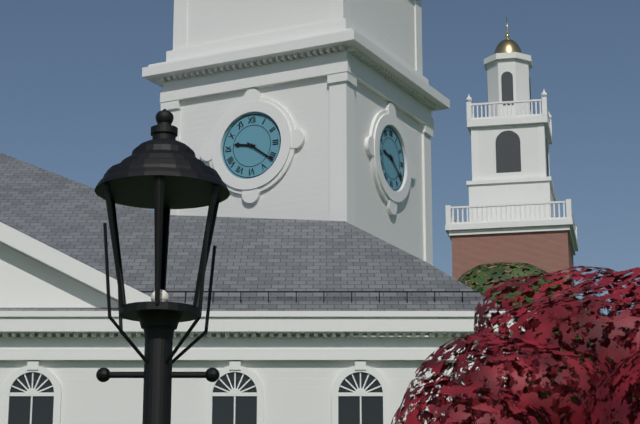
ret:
9:21
